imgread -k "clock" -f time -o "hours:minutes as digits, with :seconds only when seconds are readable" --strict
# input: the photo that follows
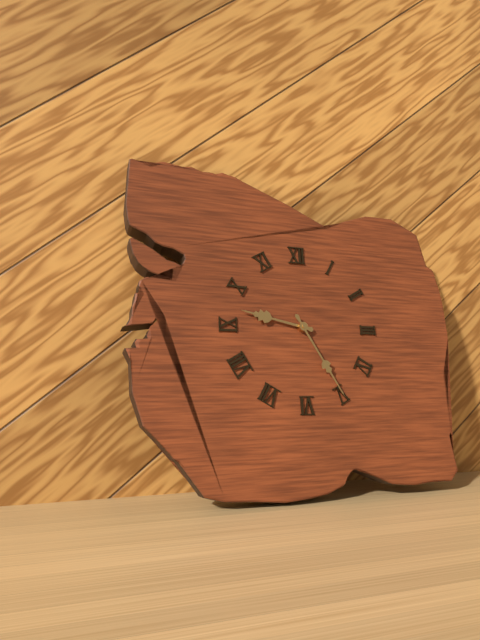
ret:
9:25
